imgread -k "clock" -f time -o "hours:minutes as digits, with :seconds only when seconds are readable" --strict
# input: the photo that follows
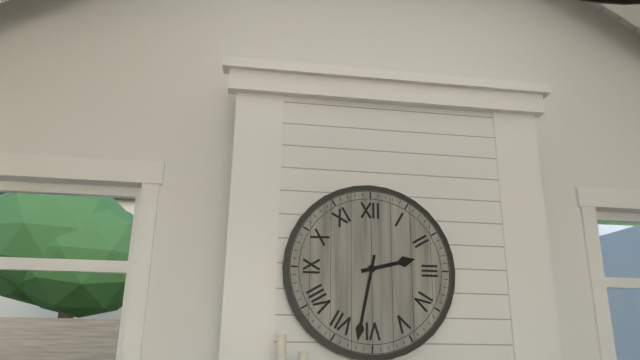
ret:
2:32
